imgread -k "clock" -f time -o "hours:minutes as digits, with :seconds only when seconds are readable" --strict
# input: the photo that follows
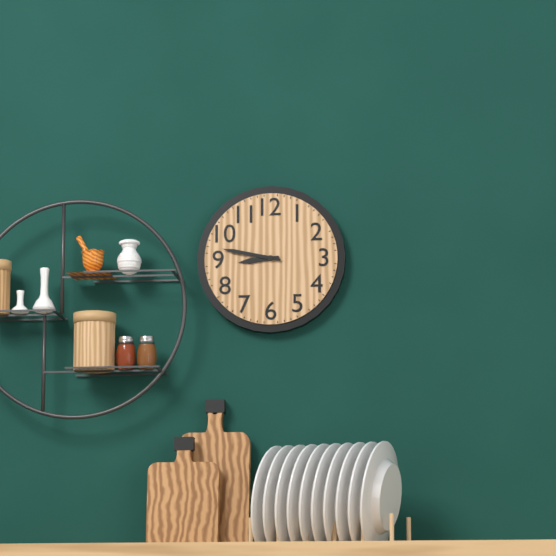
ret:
8:47
